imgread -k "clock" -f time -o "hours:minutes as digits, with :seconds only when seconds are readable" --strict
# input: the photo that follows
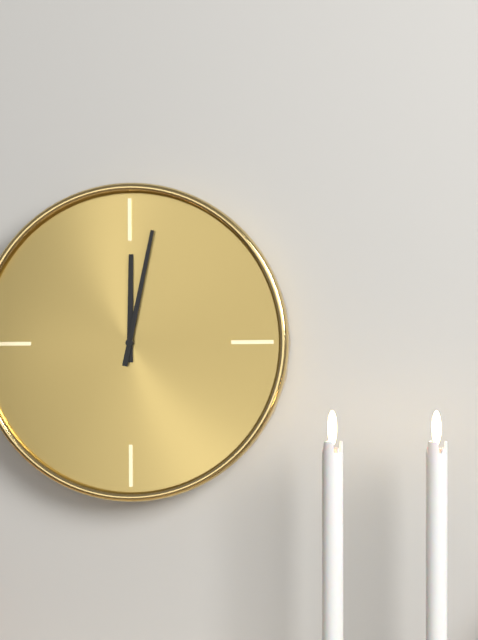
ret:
12:02
